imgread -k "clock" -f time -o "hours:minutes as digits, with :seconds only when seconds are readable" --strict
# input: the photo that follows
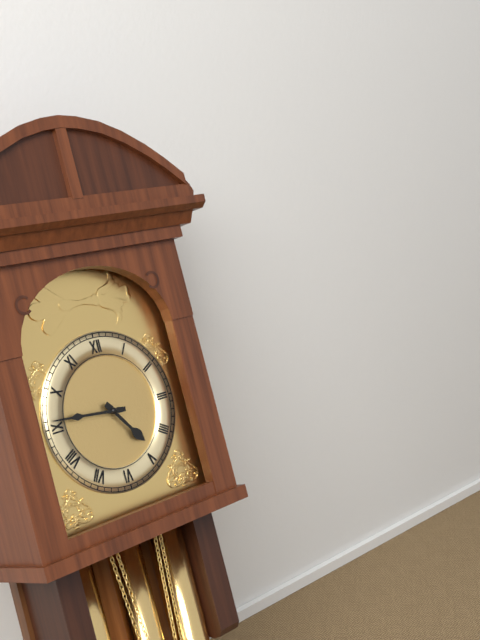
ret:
4:46
